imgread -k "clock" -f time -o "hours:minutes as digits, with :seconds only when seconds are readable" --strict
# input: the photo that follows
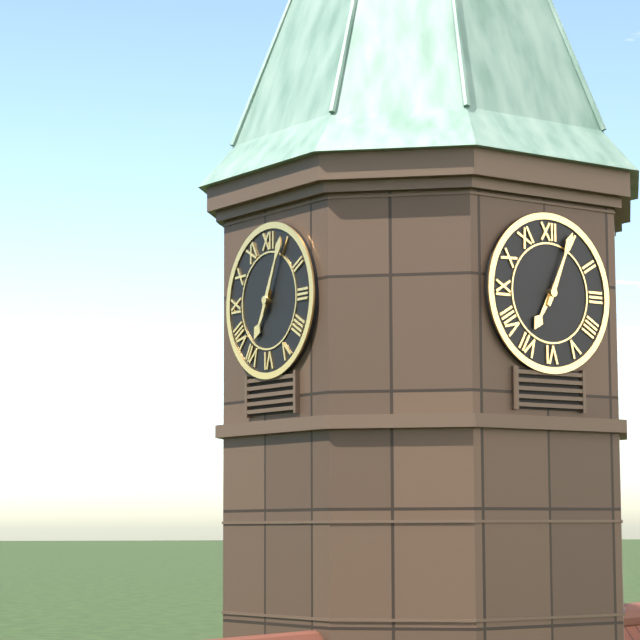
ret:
7:04
